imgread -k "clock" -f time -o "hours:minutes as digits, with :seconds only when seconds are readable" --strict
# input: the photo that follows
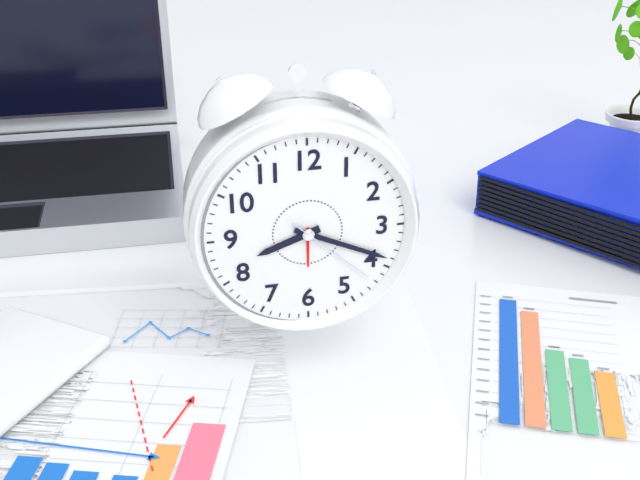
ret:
8:19:22
